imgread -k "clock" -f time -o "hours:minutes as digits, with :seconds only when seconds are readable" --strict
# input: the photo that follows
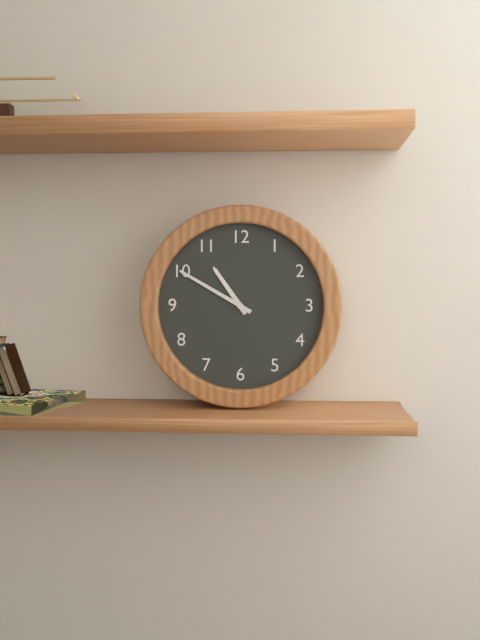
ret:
10:50
